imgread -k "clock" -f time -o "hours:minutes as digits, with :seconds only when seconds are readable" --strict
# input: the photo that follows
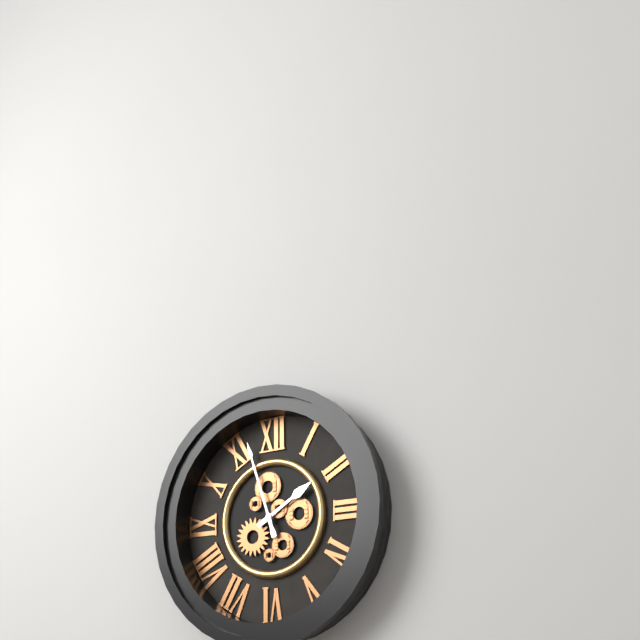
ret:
1:57
